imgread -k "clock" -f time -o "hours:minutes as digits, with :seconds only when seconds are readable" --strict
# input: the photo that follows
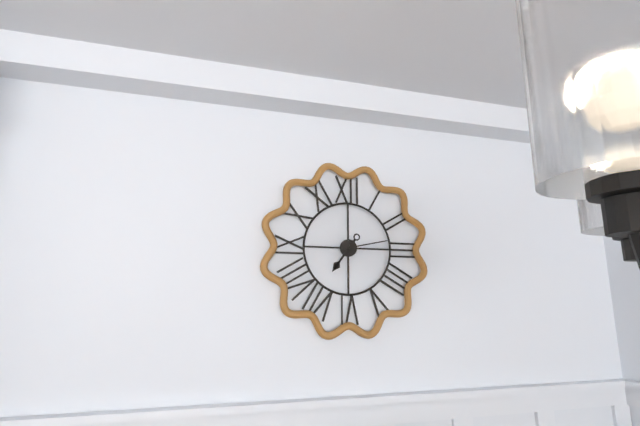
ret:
7:13
